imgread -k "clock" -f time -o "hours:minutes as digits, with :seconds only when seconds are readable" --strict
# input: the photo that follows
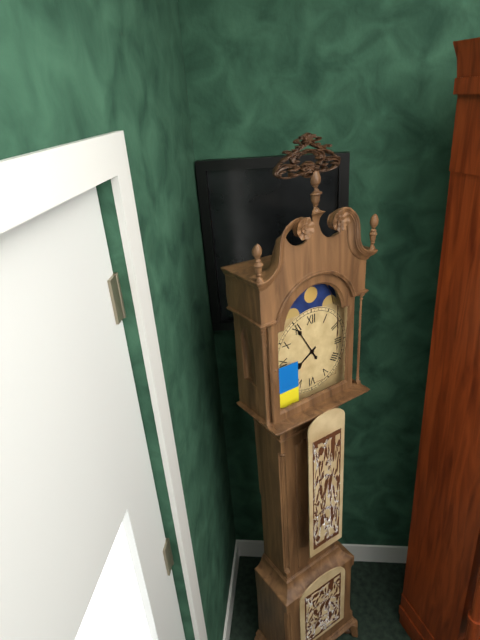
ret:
7:55
